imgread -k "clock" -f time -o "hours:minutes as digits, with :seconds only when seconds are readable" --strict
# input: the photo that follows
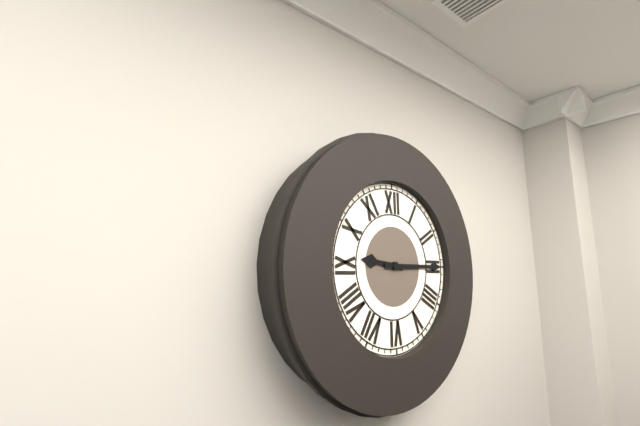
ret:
9:15
